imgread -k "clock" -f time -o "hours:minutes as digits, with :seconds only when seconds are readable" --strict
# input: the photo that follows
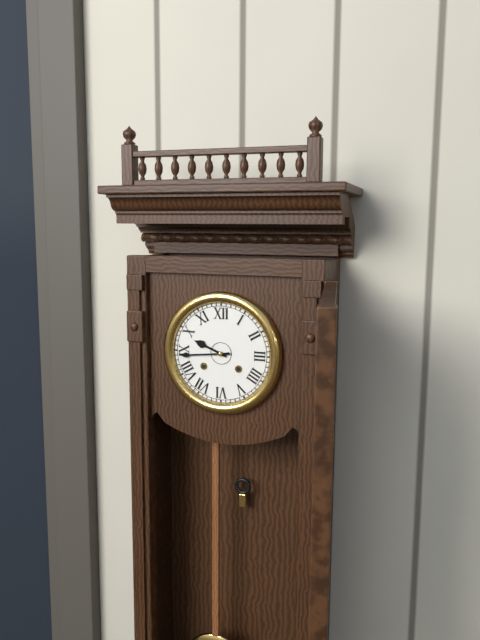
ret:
9:44
